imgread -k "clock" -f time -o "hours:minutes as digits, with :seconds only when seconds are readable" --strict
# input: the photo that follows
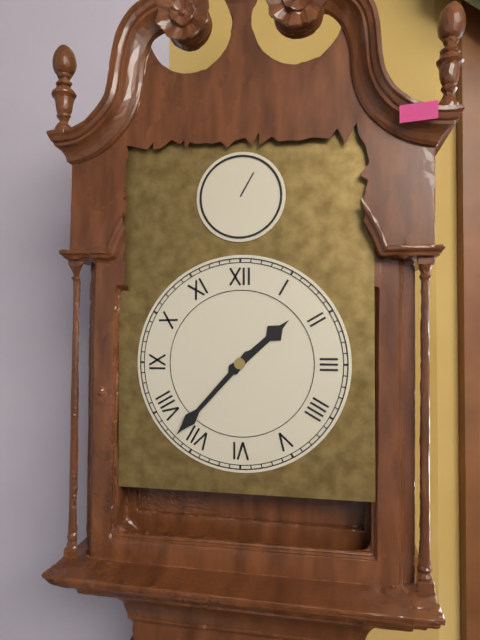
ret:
1:37
